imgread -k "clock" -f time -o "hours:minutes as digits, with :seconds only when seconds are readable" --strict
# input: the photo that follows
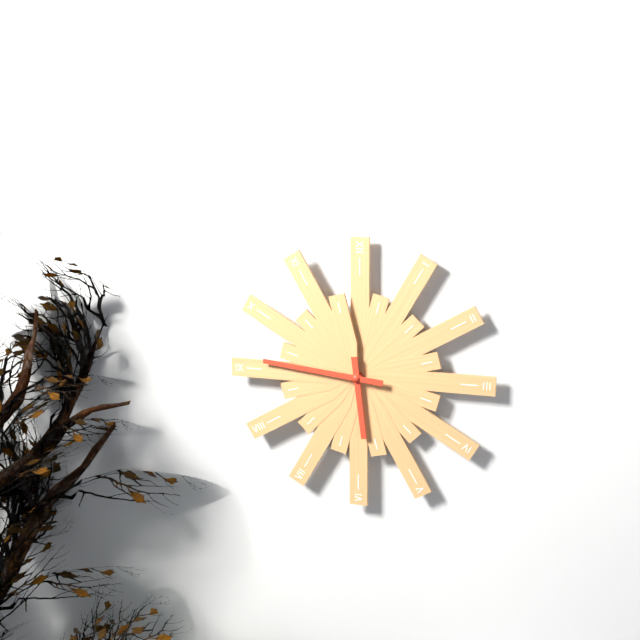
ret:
5:46
